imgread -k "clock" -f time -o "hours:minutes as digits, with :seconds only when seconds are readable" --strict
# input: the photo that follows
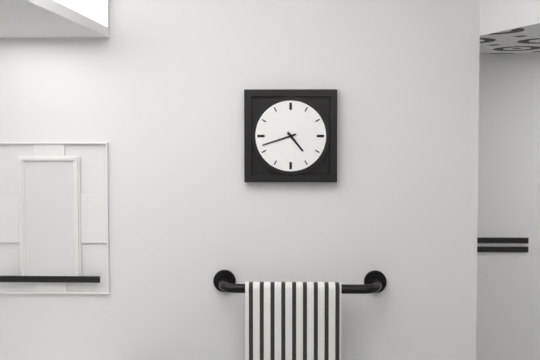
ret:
4:42
